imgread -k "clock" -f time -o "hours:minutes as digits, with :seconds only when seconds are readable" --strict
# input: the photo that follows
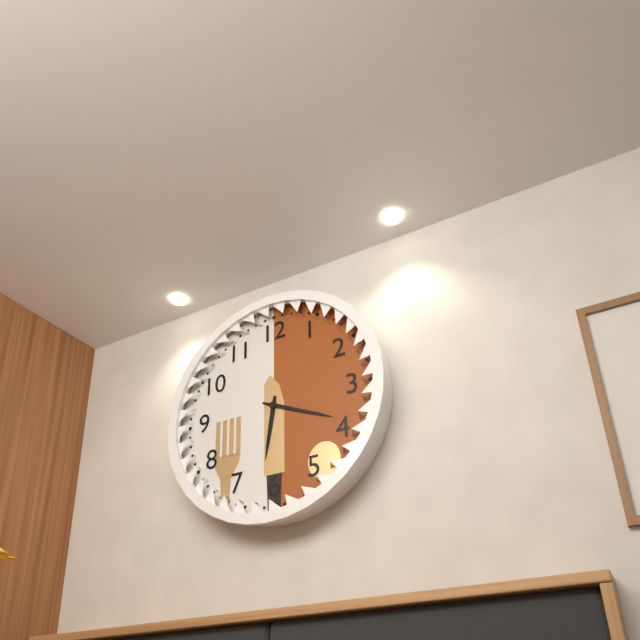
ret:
6:19
